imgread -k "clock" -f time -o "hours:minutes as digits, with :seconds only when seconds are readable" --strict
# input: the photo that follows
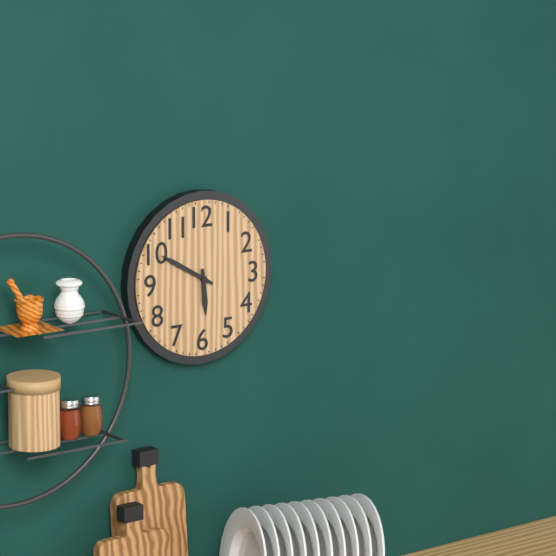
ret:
5:50
